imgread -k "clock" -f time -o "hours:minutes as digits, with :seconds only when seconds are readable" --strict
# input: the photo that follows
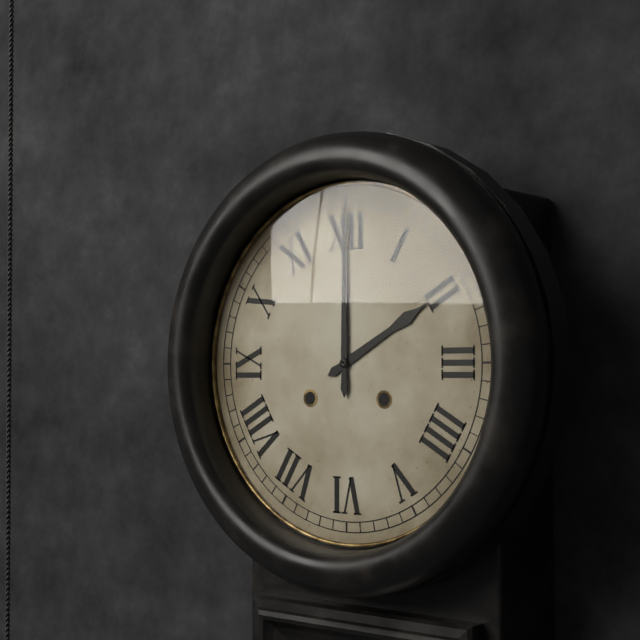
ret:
2:00
